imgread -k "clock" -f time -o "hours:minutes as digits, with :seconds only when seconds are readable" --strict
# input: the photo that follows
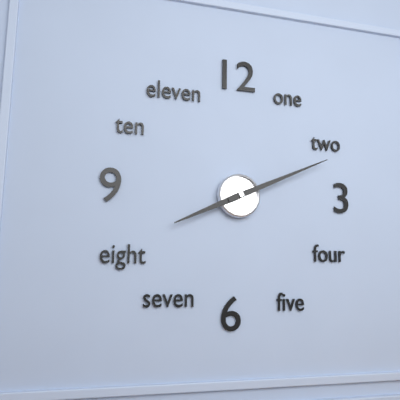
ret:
8:11
